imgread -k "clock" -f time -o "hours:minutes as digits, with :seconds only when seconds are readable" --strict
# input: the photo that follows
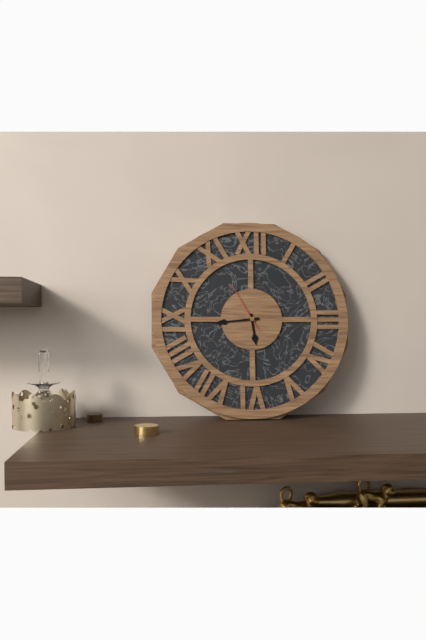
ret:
5:44
